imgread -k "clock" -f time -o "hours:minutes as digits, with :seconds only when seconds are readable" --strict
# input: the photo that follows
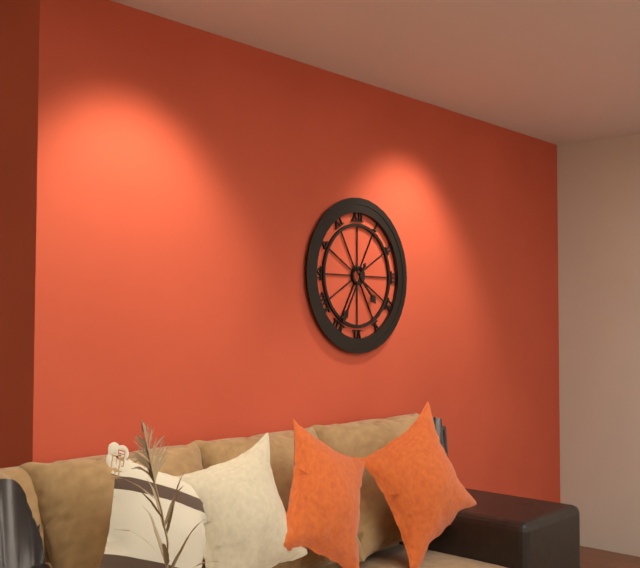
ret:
4:35
